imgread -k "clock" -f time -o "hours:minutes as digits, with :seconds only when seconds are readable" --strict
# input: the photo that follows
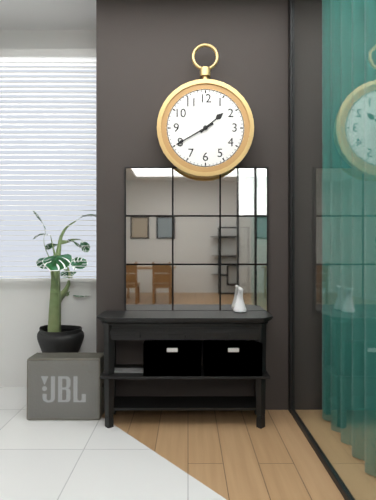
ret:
1:40
